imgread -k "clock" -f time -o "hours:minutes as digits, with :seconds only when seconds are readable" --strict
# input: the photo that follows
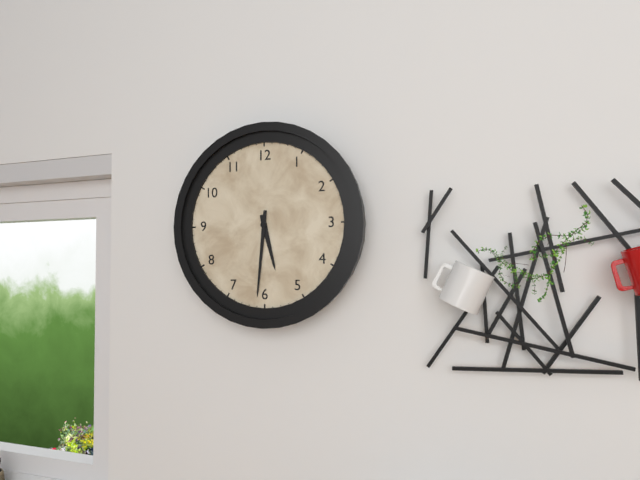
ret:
5:31
